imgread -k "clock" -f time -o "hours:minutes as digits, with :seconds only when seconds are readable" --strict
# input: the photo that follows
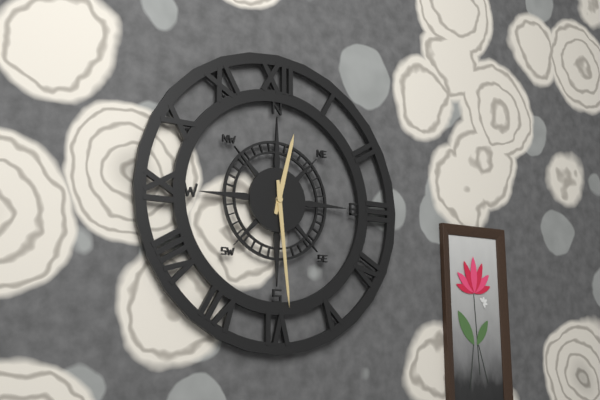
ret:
12:29
